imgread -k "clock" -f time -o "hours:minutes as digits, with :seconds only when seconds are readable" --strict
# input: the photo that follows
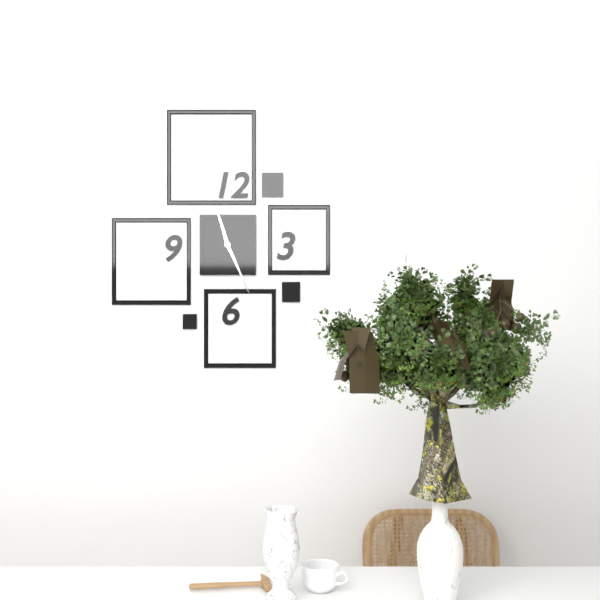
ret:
11:26
